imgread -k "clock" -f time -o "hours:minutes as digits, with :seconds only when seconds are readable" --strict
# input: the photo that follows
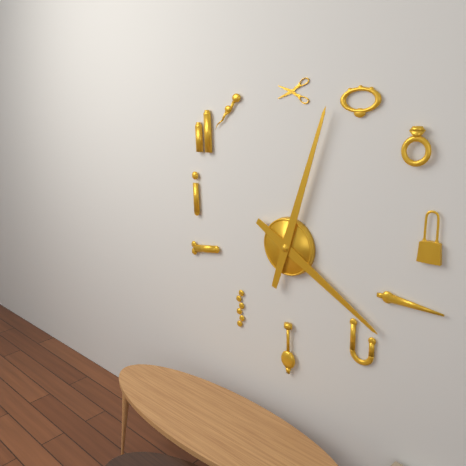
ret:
4:03
